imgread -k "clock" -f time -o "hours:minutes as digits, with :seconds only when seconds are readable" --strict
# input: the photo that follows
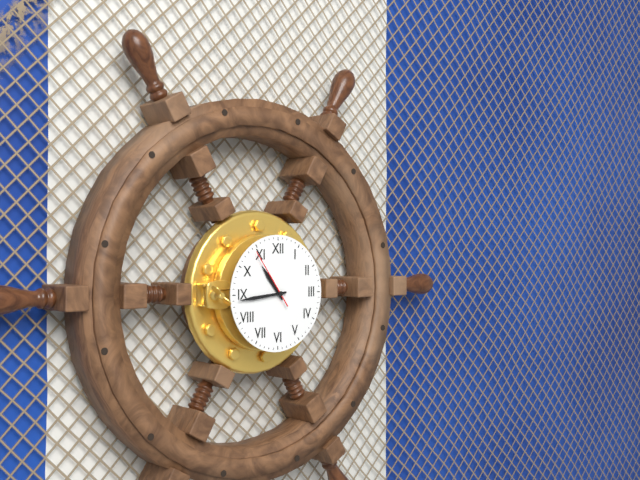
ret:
10:44:54
